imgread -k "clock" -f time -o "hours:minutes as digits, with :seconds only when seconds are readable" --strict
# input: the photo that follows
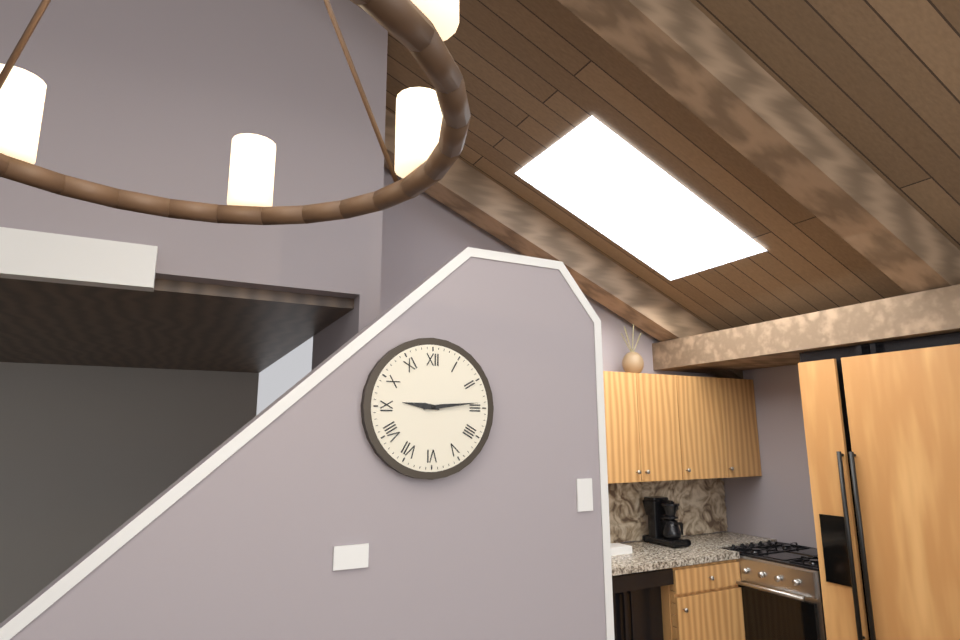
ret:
9:14
